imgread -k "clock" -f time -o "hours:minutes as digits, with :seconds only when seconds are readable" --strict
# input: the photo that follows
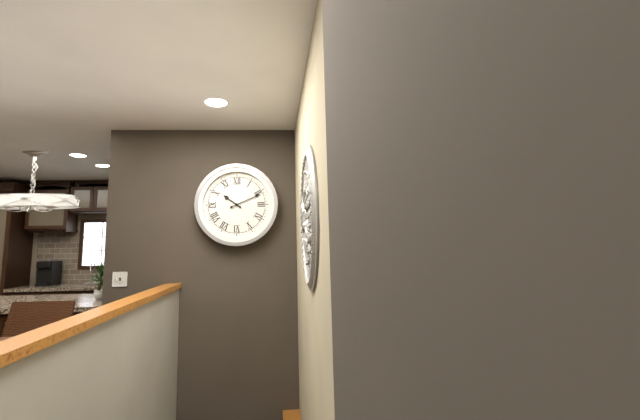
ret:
10:11
